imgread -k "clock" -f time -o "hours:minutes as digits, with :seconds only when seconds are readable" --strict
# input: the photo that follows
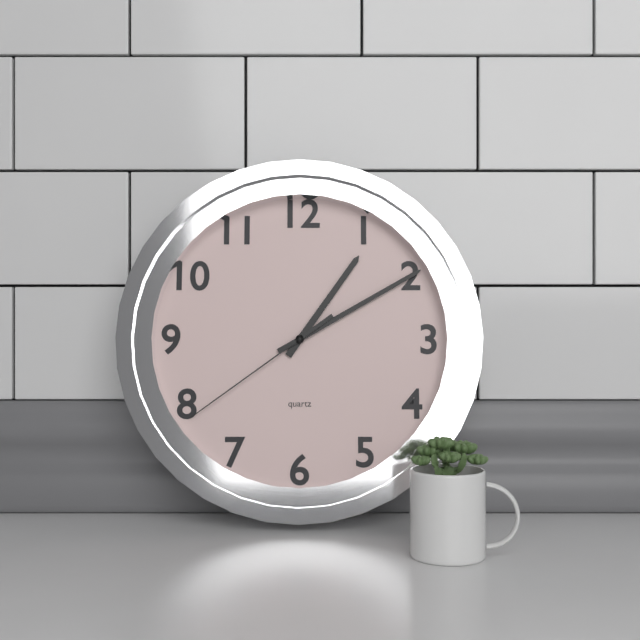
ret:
1:10:39
